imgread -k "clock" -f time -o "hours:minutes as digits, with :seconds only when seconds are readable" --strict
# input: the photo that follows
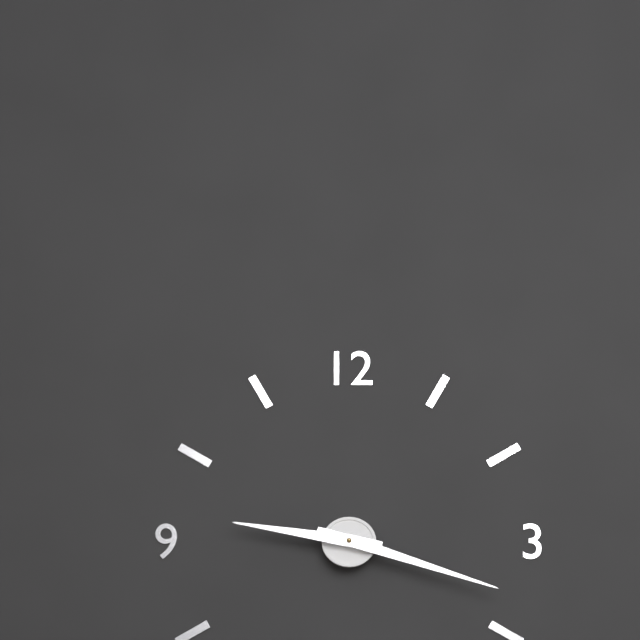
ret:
9:18
